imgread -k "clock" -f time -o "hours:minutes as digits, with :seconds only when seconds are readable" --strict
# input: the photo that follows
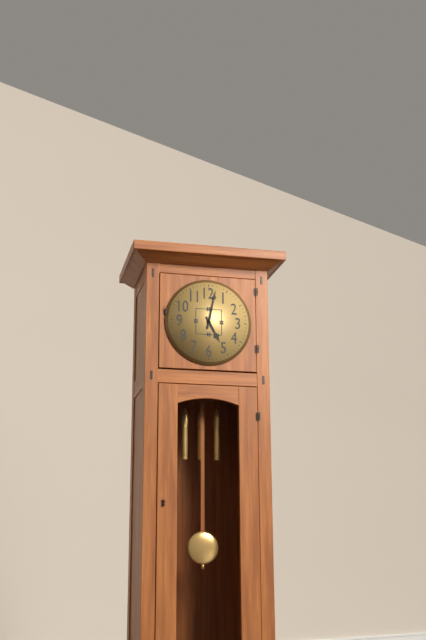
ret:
5:02
